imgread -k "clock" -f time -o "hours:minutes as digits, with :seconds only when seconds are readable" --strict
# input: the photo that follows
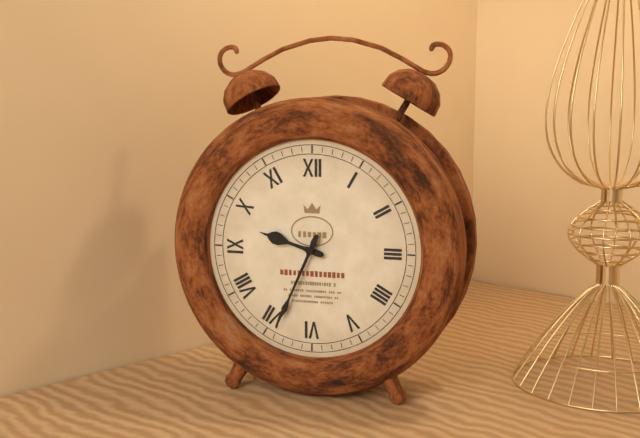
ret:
9:34
